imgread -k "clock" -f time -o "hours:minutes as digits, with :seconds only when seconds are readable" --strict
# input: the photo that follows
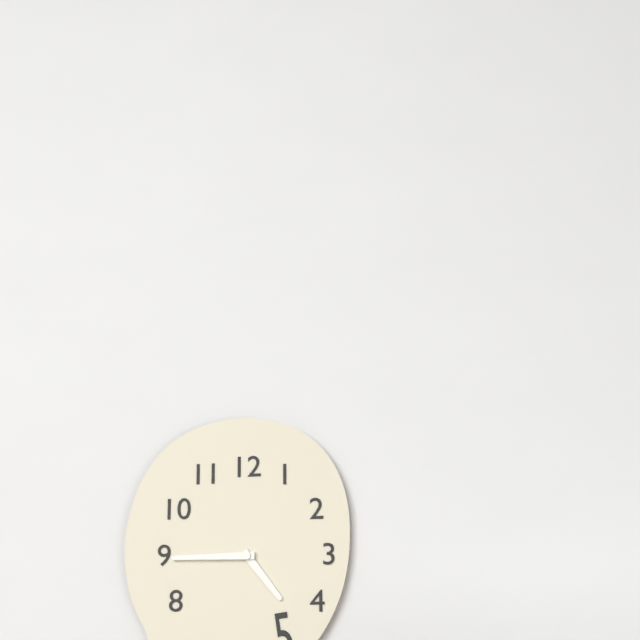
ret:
4:45
